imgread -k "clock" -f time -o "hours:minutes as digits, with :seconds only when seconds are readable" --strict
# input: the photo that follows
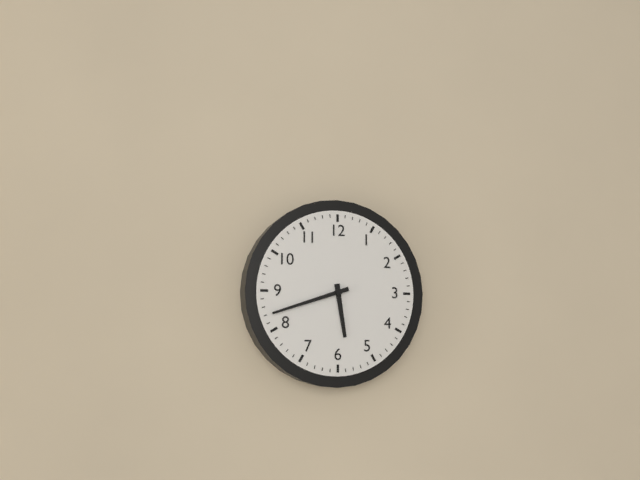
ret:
5:42
